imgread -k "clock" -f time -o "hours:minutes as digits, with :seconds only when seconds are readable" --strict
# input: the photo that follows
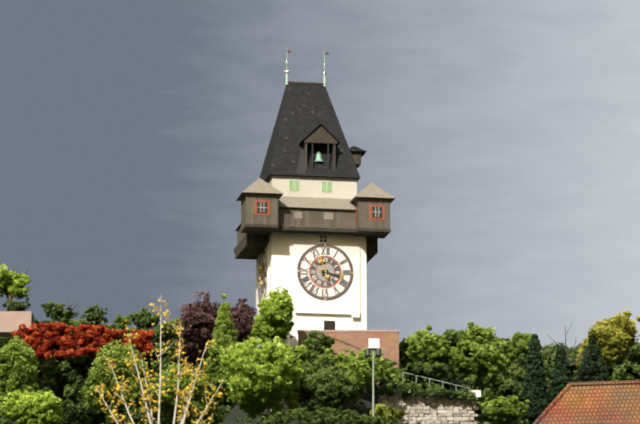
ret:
11:18
